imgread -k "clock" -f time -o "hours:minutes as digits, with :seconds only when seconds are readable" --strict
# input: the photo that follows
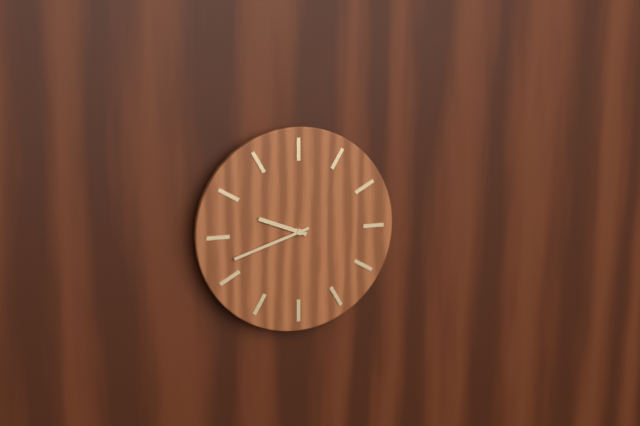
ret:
9:42
